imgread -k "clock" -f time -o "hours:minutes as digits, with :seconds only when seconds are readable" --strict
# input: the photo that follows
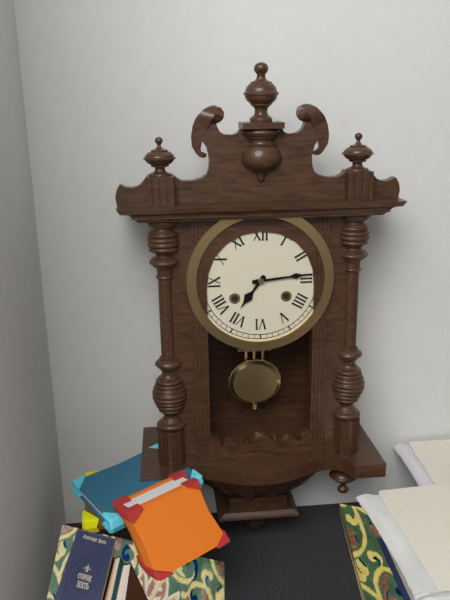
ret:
7:14
